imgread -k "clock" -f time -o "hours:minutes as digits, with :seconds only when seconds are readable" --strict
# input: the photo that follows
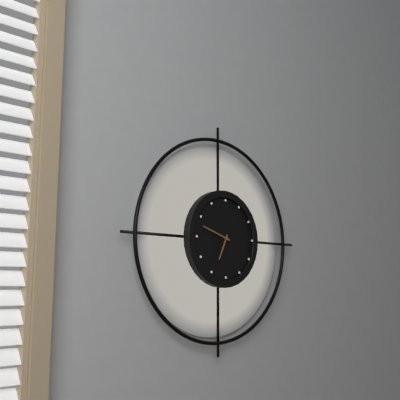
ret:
6:48
